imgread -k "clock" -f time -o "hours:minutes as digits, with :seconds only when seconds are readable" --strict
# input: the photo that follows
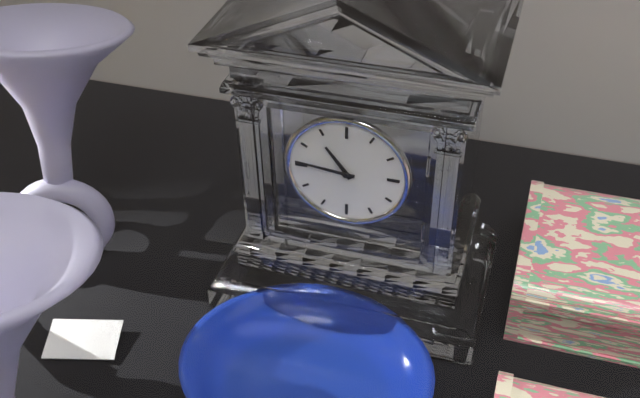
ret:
10:46
